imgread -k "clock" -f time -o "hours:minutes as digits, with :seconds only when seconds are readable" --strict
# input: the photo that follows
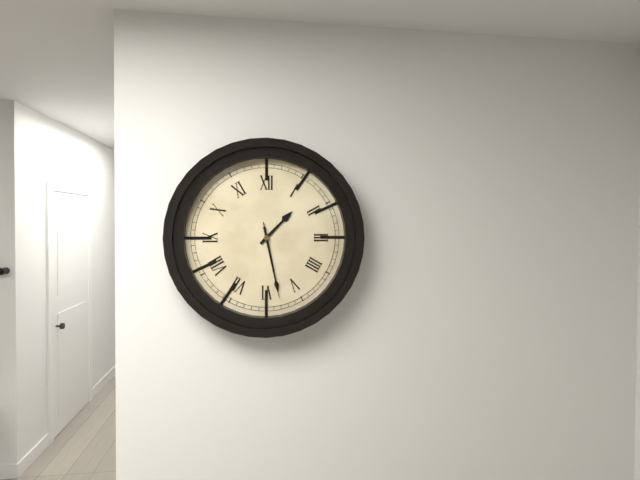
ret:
1:28:28
